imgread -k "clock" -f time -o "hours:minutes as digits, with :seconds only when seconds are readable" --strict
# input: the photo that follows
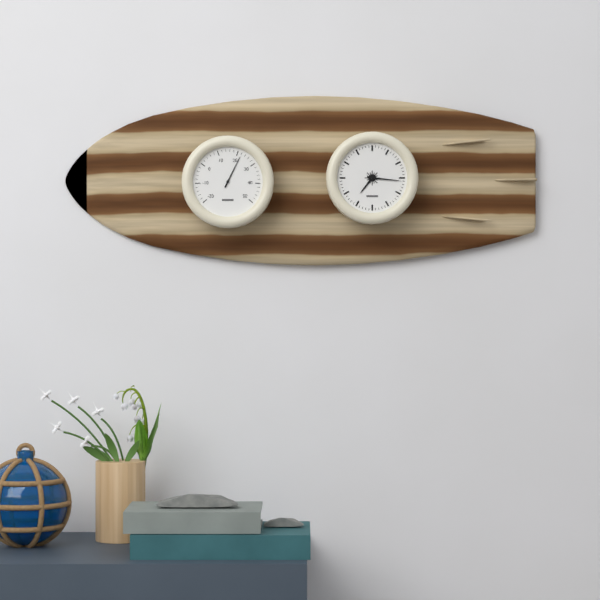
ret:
7:16
